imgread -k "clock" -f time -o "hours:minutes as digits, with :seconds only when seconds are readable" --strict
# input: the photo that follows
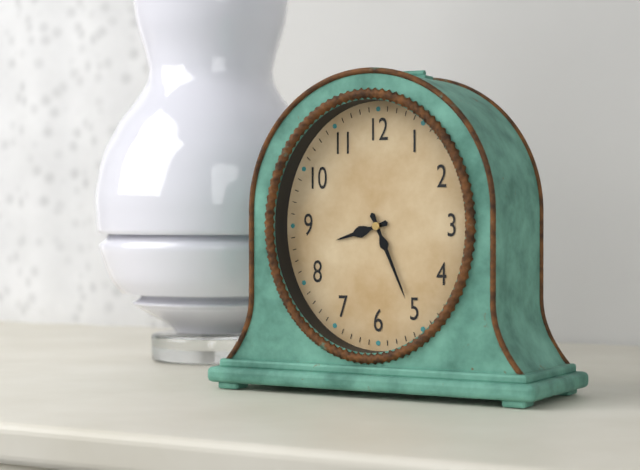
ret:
8:26
